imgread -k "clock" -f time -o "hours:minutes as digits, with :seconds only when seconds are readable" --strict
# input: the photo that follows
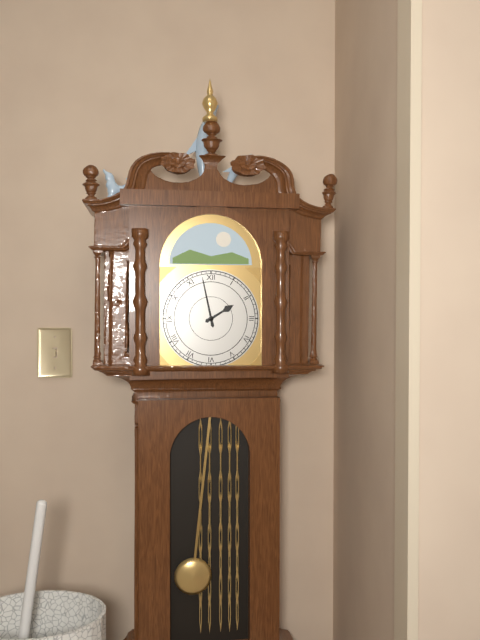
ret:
1:58
